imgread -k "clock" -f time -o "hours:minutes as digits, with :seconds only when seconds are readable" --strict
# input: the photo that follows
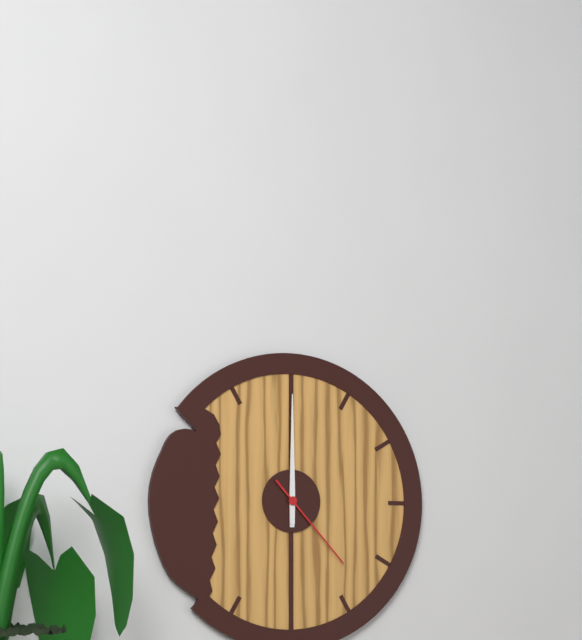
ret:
12:00:23
